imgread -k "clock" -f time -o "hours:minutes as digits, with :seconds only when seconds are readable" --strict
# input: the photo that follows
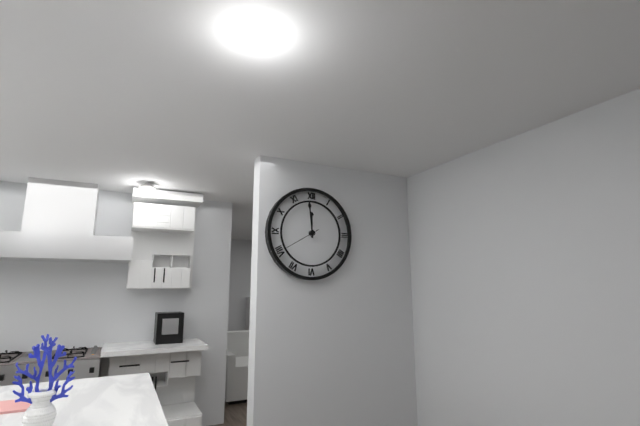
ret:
11:59
